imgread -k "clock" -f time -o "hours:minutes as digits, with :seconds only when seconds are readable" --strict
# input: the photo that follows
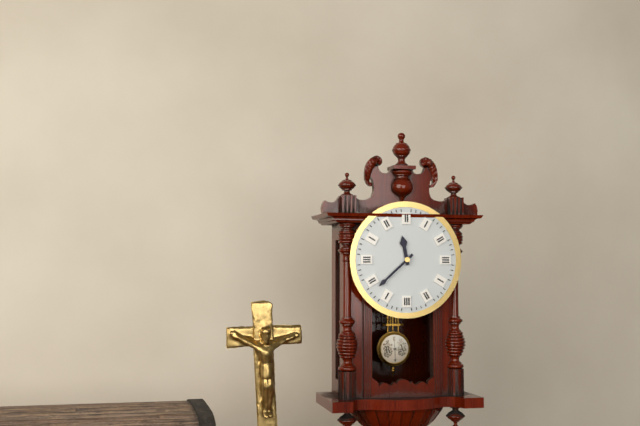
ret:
11:38
